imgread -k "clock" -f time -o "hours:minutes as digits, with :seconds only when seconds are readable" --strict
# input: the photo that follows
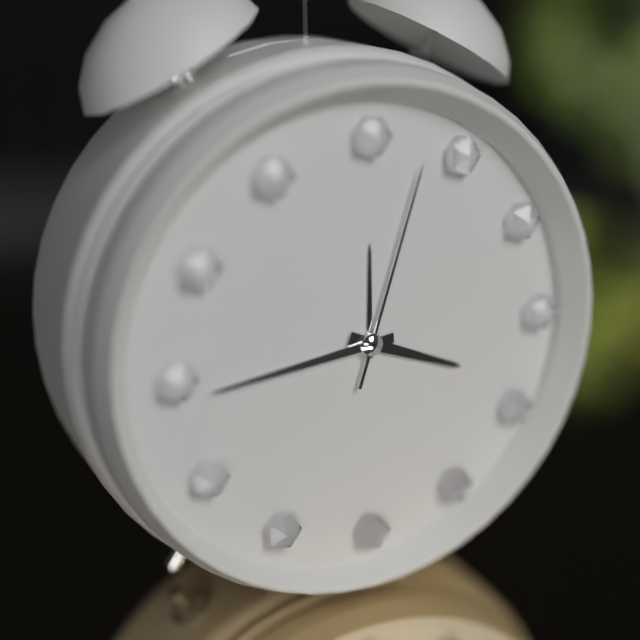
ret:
3:44:03
